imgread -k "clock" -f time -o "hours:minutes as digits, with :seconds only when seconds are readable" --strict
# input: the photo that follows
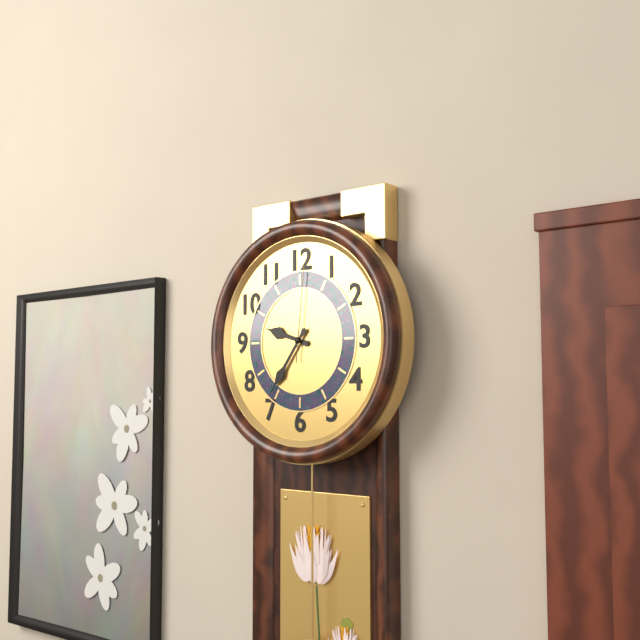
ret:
9:36:01
